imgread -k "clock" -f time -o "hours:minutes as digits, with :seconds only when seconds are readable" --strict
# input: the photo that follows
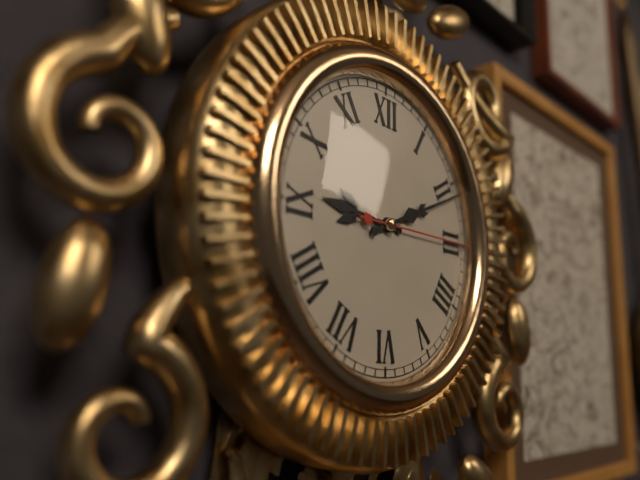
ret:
9:11:15
